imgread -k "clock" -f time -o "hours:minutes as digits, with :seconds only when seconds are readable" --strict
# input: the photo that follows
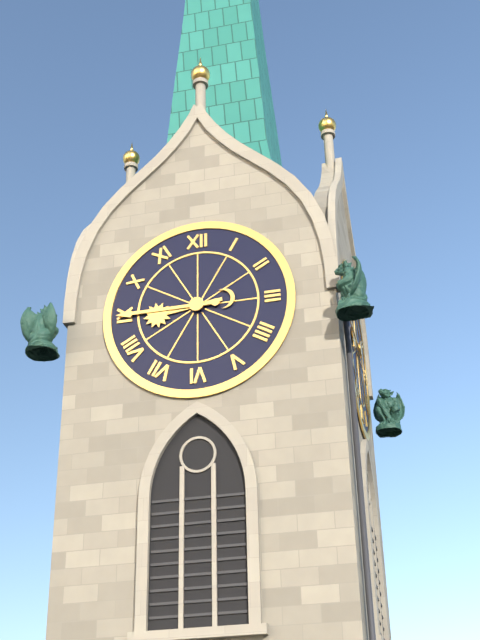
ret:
8:45
